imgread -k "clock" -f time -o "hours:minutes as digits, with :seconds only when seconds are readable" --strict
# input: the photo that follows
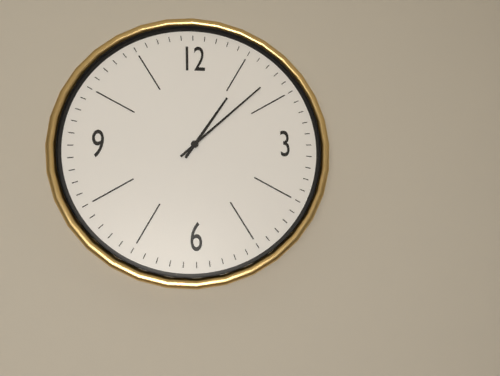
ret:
1:08
